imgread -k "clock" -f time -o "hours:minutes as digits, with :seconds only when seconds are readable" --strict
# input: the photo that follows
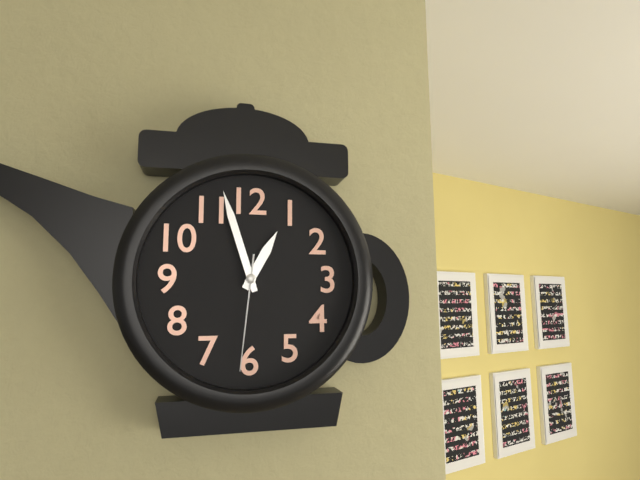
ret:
12:57:31
